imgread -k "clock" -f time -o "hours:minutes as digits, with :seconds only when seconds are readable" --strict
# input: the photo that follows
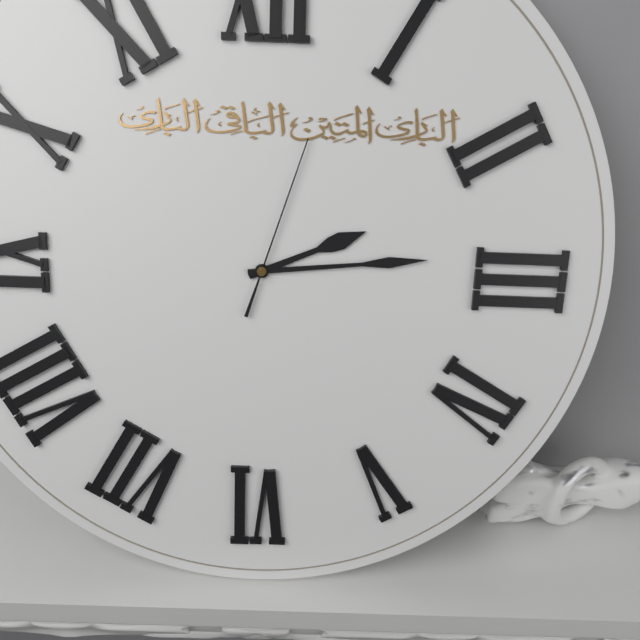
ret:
2:14:03
